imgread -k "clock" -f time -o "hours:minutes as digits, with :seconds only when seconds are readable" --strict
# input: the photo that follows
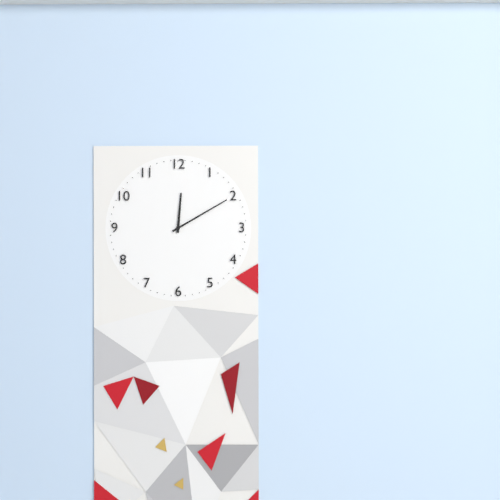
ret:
12:10
